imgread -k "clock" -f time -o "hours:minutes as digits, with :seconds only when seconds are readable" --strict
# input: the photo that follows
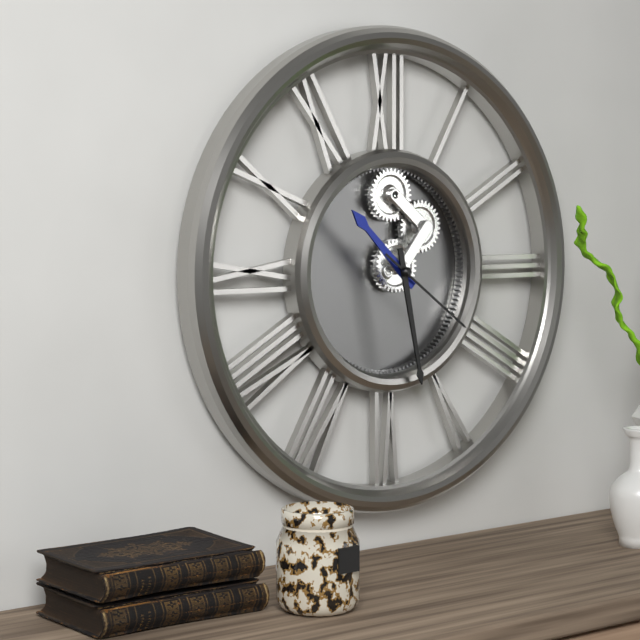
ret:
10:28:21
